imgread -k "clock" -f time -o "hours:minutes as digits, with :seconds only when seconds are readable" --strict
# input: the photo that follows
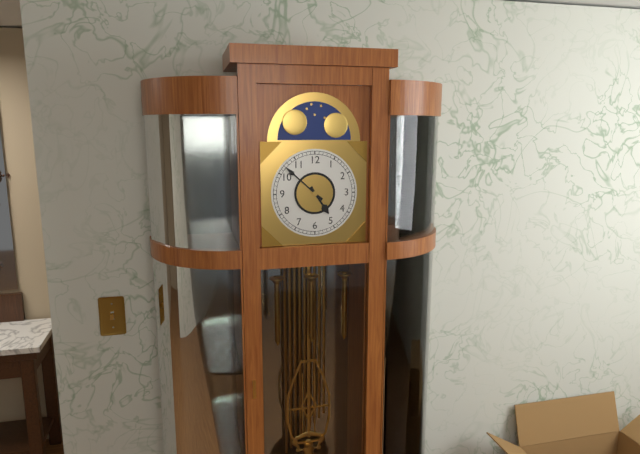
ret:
4:52
